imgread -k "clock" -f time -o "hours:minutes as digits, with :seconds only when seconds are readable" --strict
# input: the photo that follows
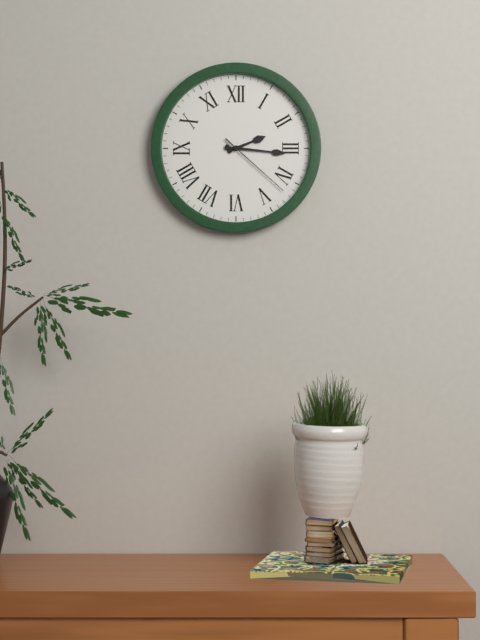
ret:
2:16:22
